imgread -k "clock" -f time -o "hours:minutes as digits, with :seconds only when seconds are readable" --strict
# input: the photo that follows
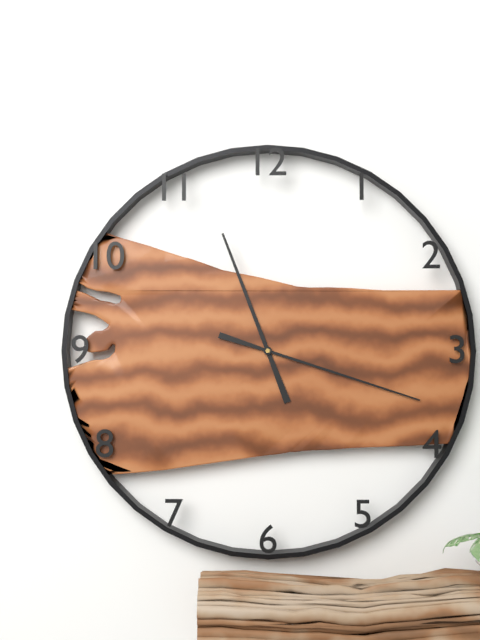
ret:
11:18
